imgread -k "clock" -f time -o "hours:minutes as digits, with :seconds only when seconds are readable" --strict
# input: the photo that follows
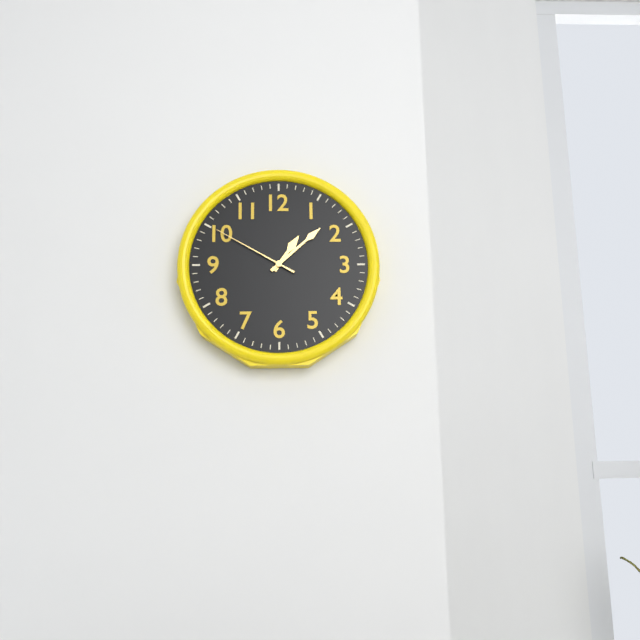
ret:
1:08:50
